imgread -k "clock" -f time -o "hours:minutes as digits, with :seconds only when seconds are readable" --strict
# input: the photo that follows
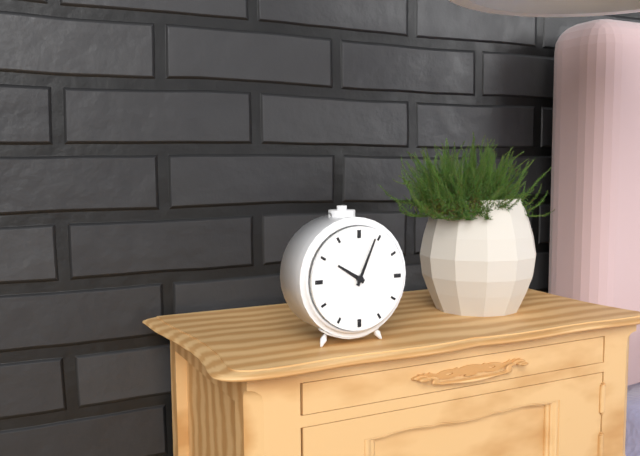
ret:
10:04
